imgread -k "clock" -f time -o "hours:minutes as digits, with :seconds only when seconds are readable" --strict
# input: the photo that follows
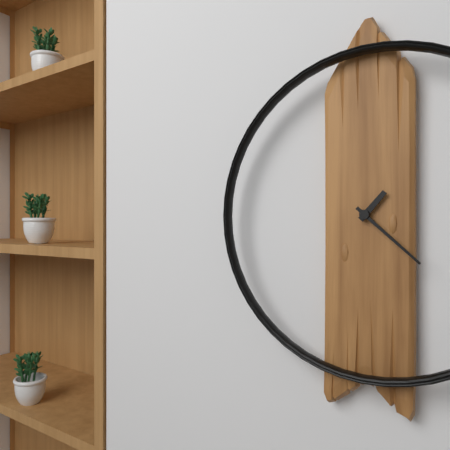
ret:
1:22
